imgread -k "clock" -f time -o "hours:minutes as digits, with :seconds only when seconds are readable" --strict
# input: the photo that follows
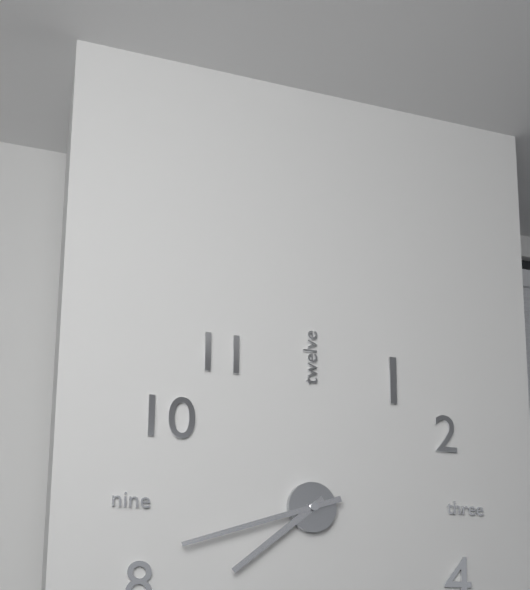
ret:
7:42
